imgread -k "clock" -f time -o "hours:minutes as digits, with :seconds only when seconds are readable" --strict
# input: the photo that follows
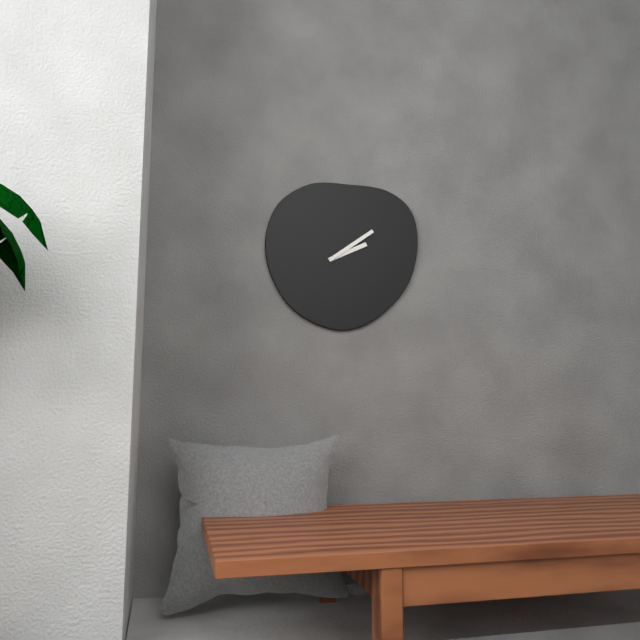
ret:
2:09
